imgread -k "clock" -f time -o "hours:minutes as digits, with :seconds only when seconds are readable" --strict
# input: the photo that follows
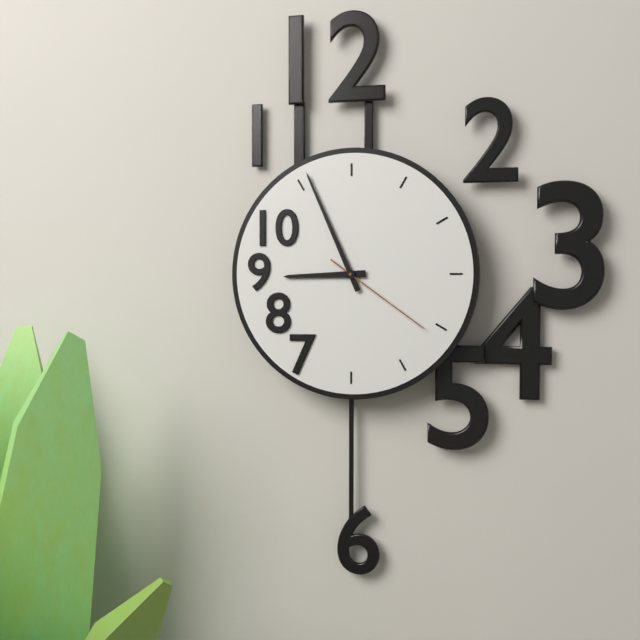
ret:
8:56:21
